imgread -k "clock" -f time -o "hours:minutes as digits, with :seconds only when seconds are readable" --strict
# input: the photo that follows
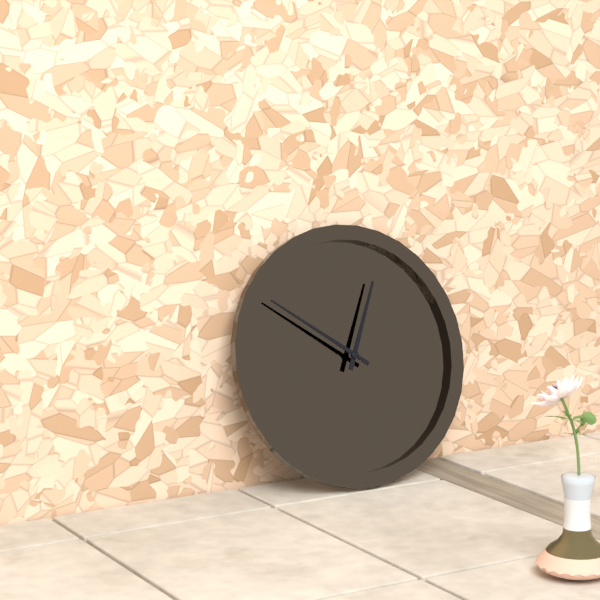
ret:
12:51
